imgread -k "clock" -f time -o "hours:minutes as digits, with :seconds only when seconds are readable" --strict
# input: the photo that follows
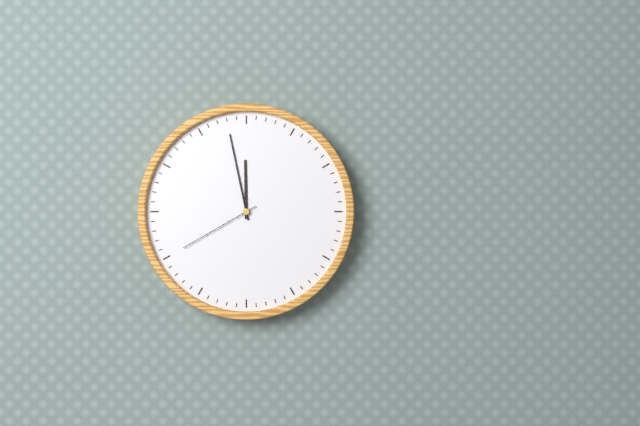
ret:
11:58:40
